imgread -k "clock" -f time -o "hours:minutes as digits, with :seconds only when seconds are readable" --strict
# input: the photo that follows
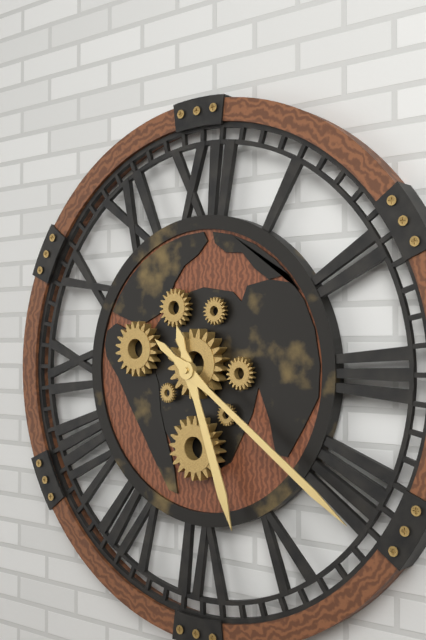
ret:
5:21
